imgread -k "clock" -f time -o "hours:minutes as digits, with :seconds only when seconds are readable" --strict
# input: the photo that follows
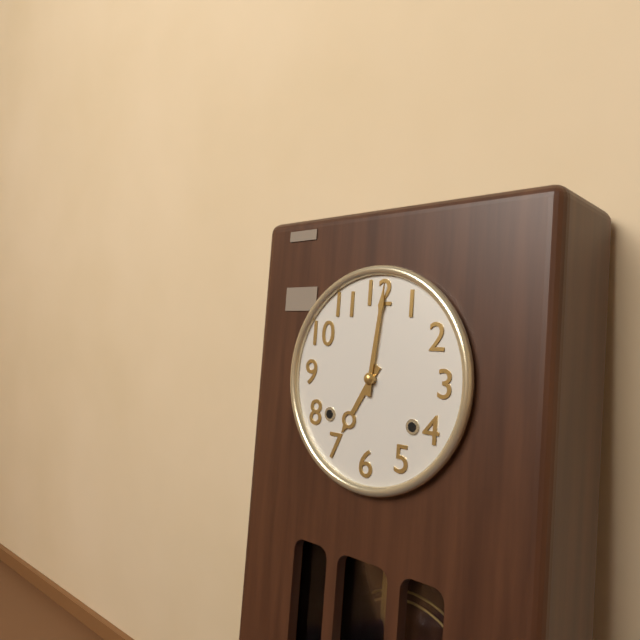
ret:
7:01
